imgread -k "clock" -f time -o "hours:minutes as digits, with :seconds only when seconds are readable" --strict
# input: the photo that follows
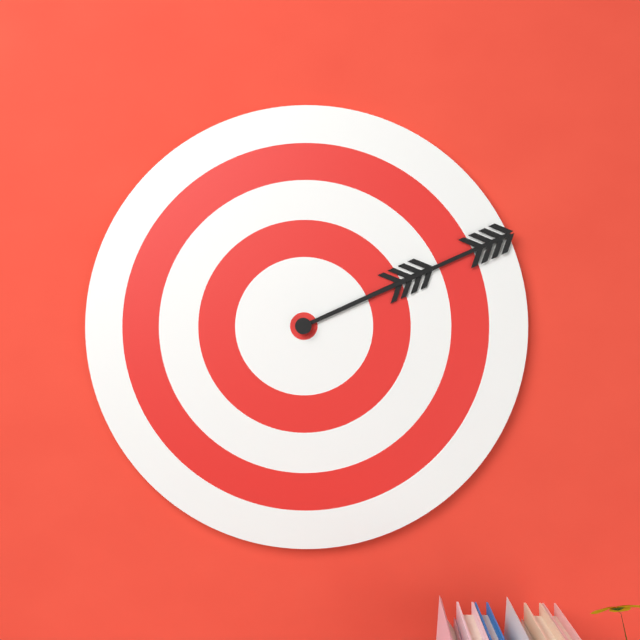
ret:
2:11
